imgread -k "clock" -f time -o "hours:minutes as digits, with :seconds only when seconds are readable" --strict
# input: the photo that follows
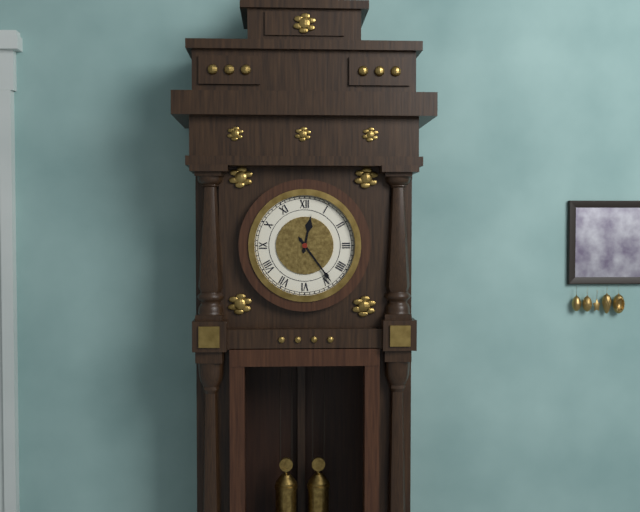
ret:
12:24
